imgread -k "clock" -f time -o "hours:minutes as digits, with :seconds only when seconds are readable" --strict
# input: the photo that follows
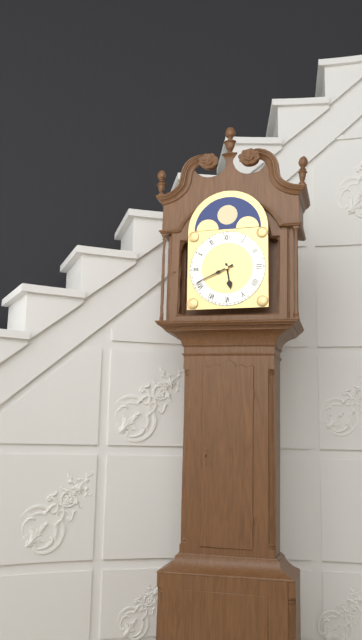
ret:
5:41
